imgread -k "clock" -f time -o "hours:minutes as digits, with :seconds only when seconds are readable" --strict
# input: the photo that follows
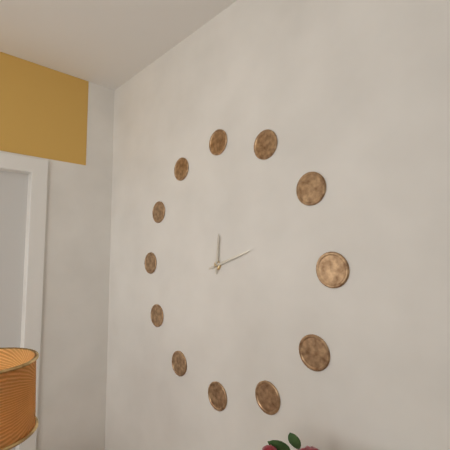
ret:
12:12
